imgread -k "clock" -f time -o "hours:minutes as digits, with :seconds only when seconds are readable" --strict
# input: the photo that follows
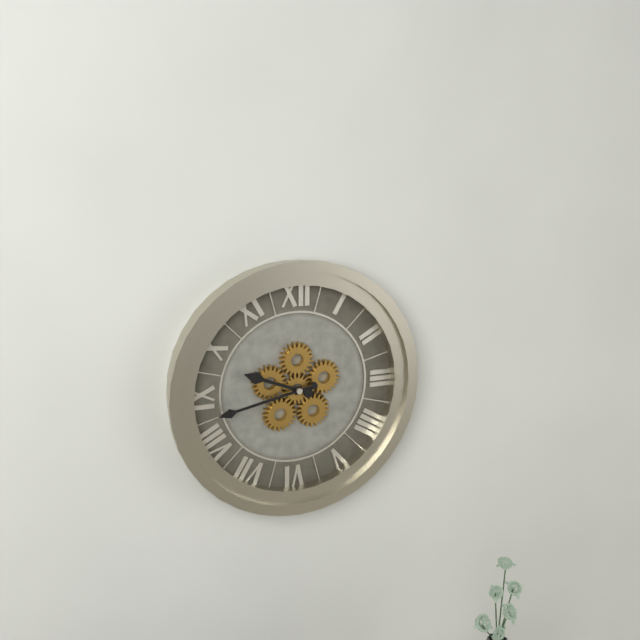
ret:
9:43
